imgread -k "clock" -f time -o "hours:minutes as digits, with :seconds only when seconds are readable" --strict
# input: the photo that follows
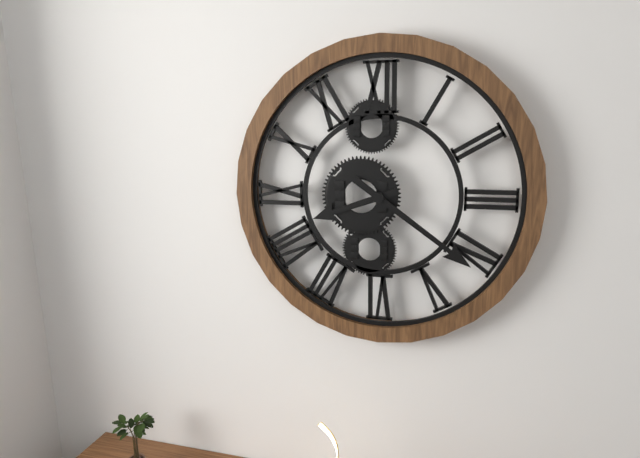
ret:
8:21
